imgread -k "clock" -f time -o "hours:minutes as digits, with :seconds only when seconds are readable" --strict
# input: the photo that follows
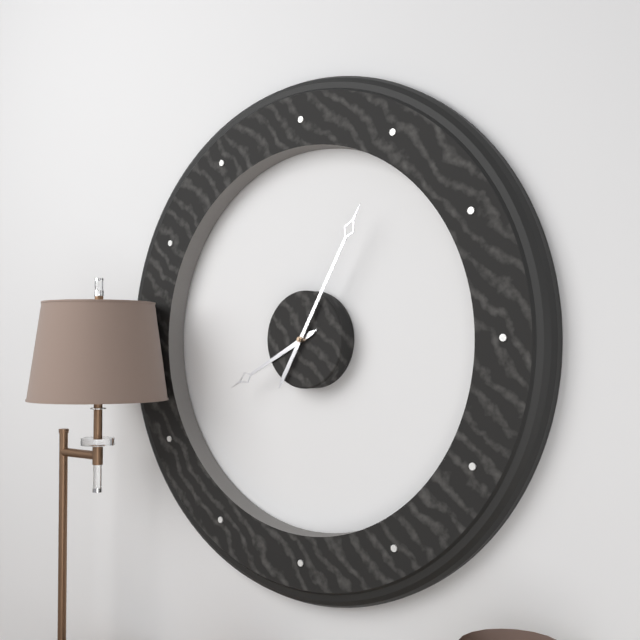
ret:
8:05
